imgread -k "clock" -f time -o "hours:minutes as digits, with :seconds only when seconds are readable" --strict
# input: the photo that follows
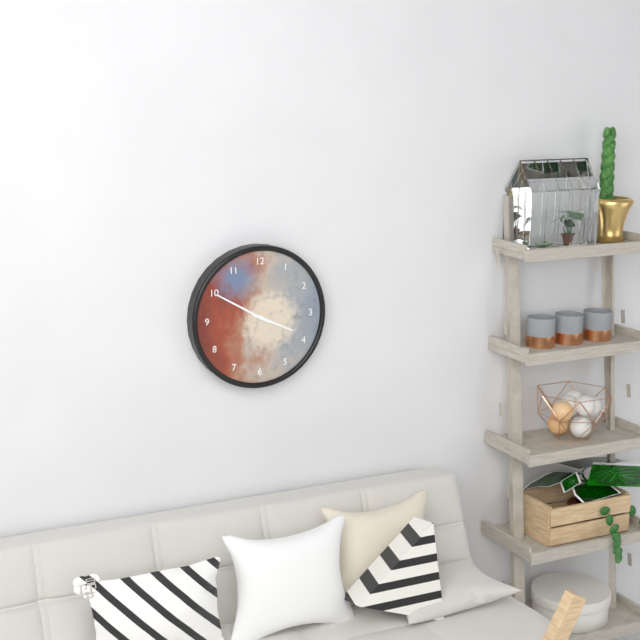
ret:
3:50
